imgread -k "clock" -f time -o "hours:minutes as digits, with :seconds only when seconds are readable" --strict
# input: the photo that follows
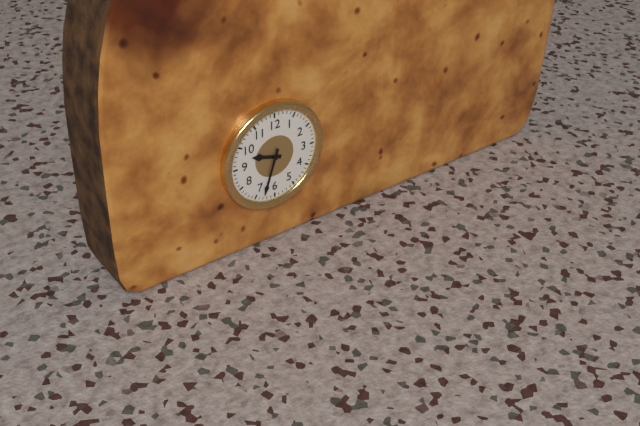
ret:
9:33
